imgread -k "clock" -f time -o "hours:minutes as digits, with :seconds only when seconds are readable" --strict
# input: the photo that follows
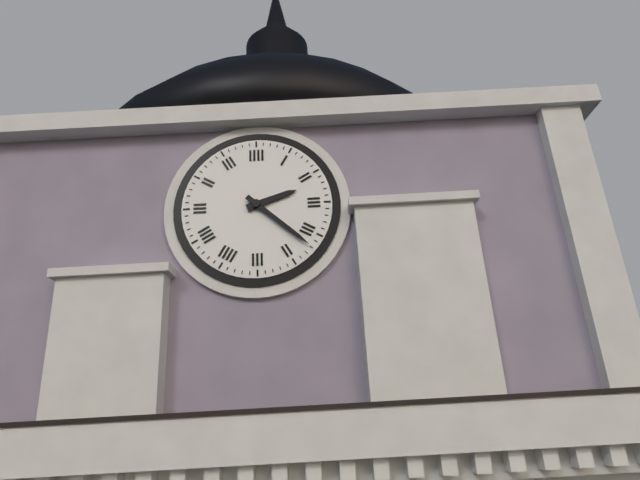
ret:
2:22
